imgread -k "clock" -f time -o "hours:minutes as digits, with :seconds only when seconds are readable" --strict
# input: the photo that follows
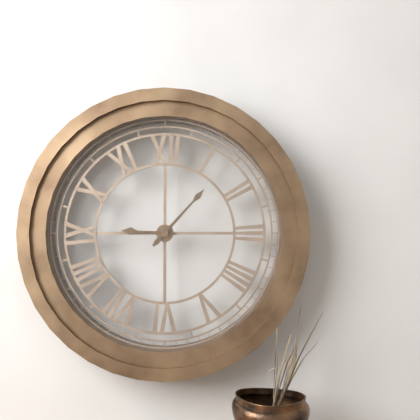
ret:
9:07
